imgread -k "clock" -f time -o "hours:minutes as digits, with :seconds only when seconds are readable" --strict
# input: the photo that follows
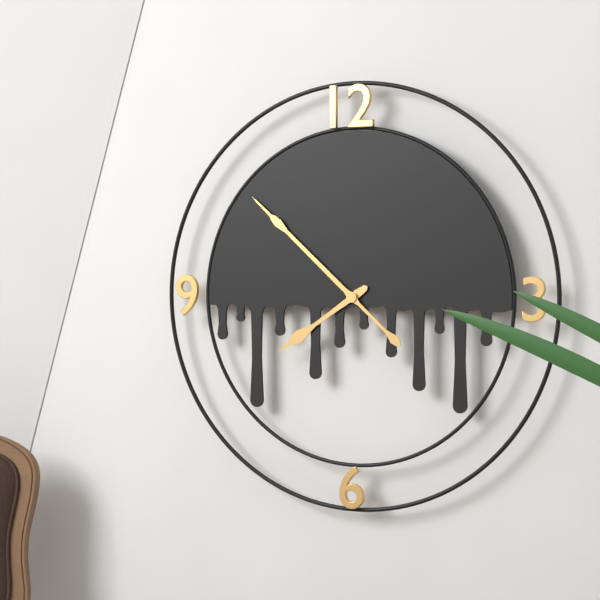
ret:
7:52
